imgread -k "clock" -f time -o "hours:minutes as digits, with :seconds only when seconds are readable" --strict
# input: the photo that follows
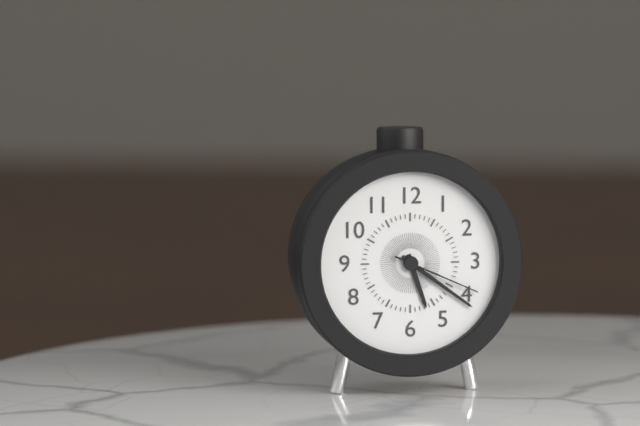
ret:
5:21:19
